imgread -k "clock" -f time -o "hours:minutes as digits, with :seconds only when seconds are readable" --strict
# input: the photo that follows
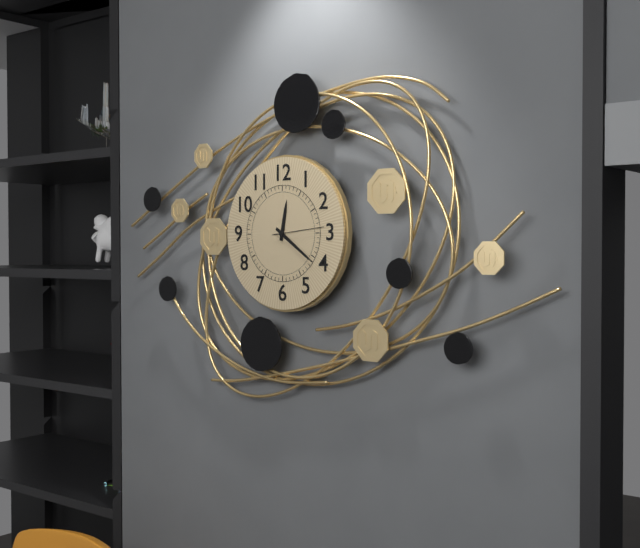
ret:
12:21:14
